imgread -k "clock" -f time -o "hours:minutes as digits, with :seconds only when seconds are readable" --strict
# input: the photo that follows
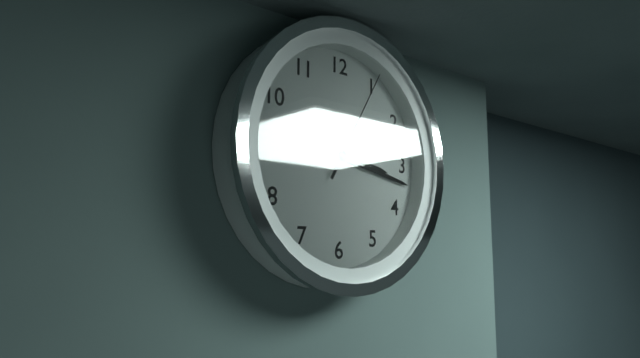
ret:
3:17:05
